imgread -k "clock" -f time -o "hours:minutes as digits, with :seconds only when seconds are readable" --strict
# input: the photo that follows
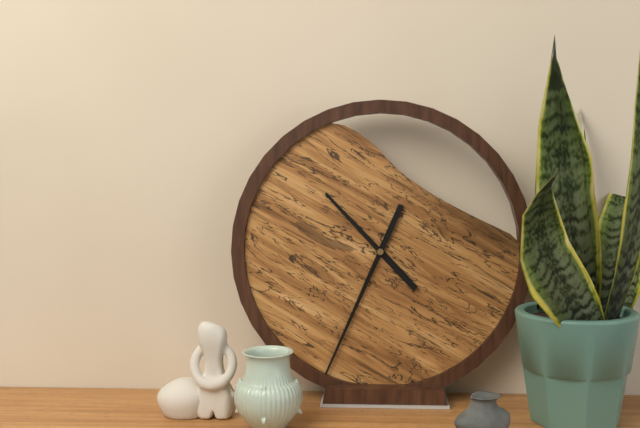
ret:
10:34
